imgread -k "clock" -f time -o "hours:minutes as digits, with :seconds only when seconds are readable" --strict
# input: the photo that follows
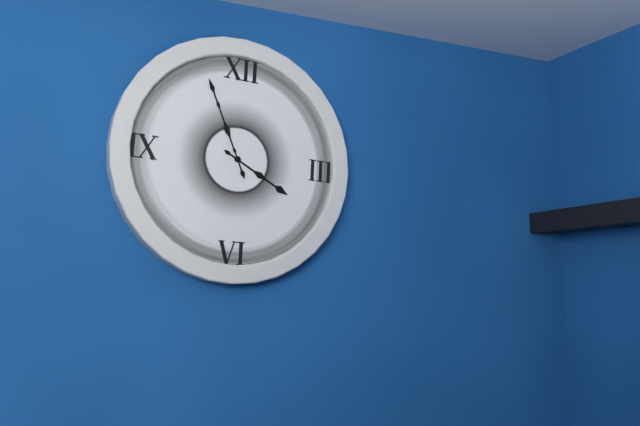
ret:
3:56
